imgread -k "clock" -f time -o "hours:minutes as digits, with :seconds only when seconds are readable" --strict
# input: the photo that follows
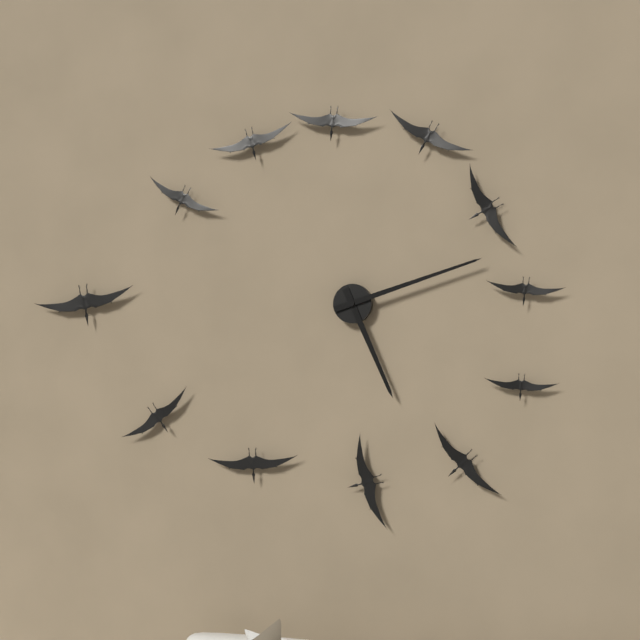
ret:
5:12
